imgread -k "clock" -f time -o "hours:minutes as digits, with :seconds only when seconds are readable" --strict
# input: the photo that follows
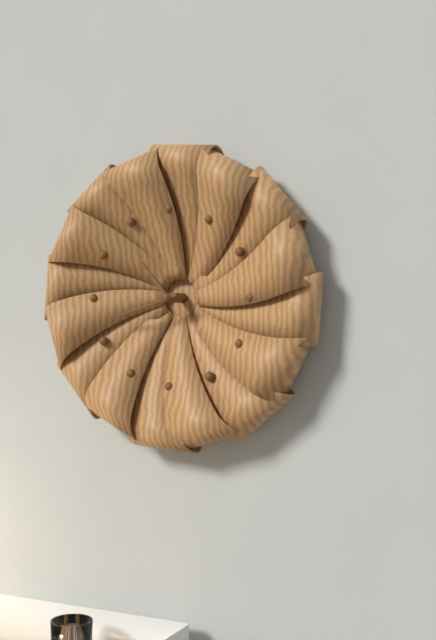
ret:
10:42
